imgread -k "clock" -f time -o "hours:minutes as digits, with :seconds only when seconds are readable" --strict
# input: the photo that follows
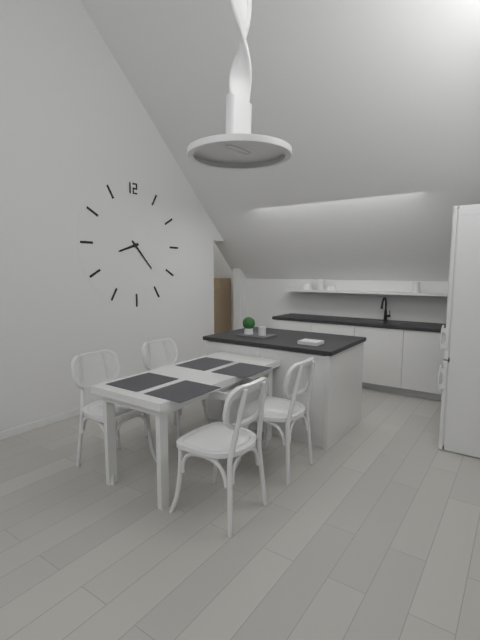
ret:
8:23
